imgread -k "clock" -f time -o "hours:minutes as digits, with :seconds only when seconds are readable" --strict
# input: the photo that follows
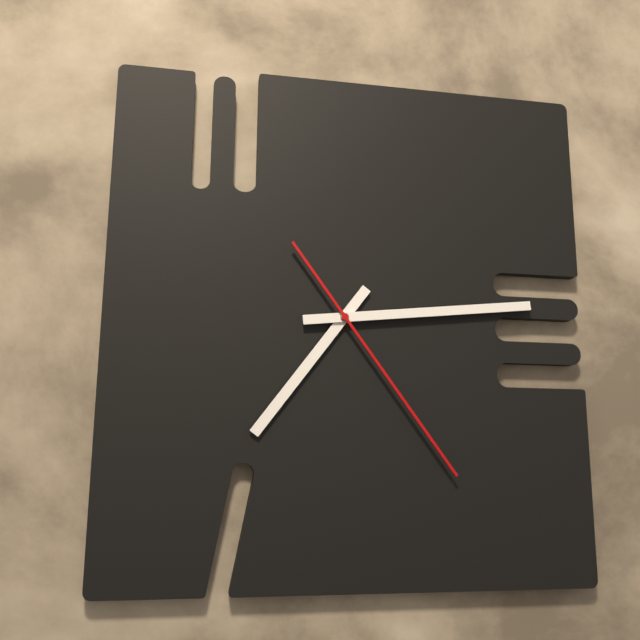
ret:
7:14:24
